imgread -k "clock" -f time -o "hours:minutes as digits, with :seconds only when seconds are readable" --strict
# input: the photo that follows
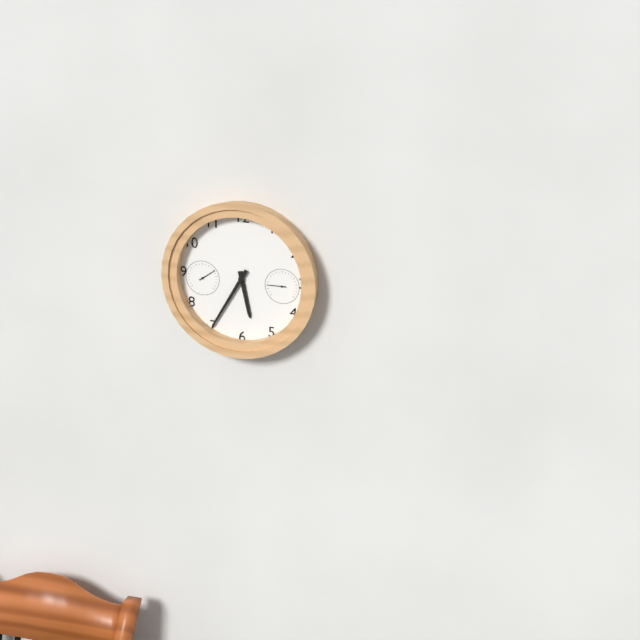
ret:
5:35
